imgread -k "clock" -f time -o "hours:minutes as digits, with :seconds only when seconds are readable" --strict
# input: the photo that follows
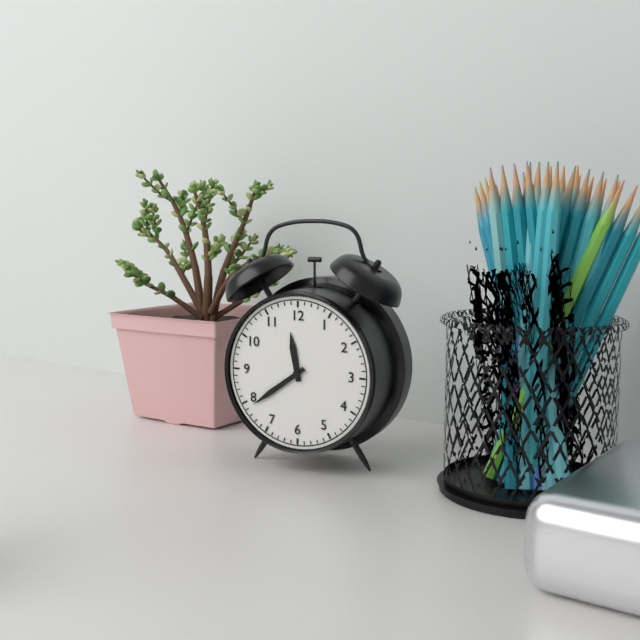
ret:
11:39
